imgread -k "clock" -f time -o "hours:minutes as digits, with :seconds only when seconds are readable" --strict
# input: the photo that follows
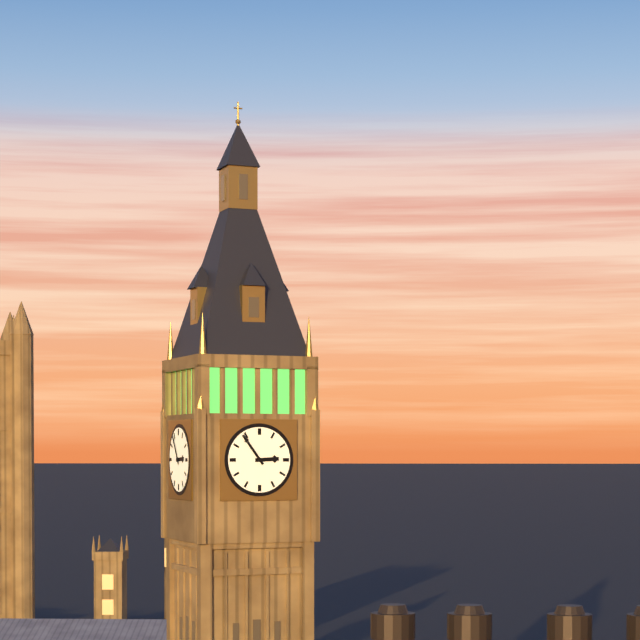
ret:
2:54
